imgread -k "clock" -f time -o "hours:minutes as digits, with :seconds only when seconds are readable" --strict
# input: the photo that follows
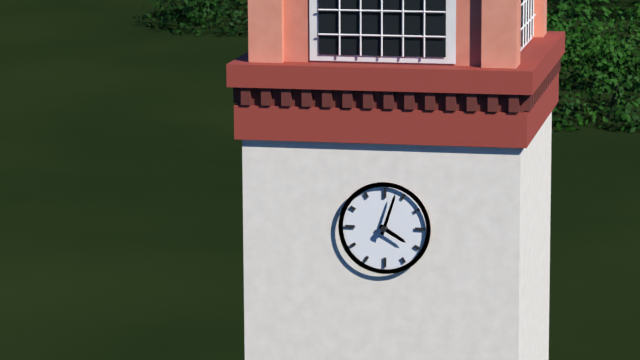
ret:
4:03
